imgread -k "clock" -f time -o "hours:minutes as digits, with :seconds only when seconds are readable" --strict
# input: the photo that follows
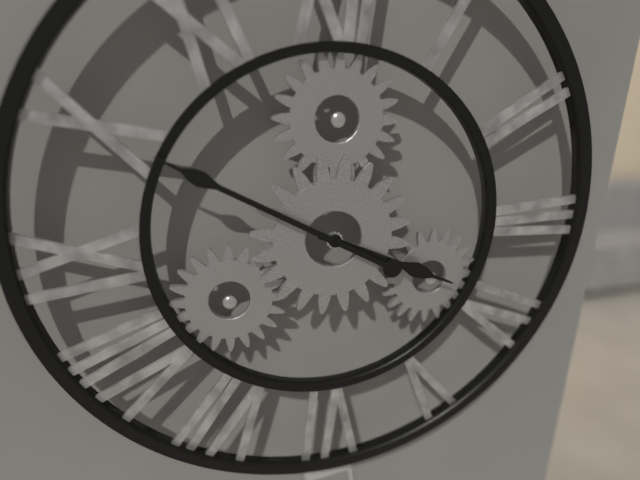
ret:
3:50
